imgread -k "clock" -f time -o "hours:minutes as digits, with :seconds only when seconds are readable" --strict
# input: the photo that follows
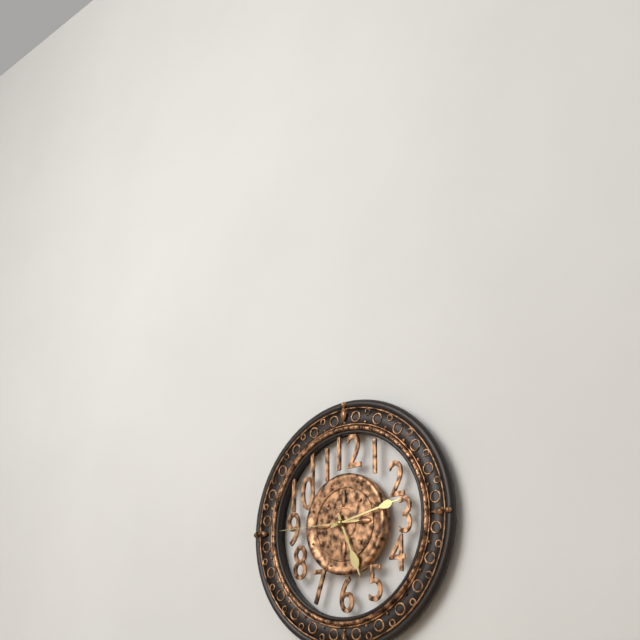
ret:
5:13:45
